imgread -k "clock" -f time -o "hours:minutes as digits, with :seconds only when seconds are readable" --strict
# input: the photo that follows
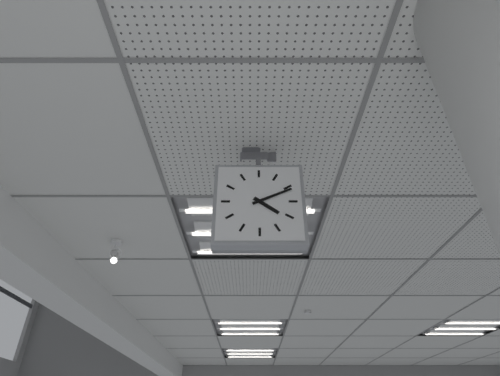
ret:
4:11
